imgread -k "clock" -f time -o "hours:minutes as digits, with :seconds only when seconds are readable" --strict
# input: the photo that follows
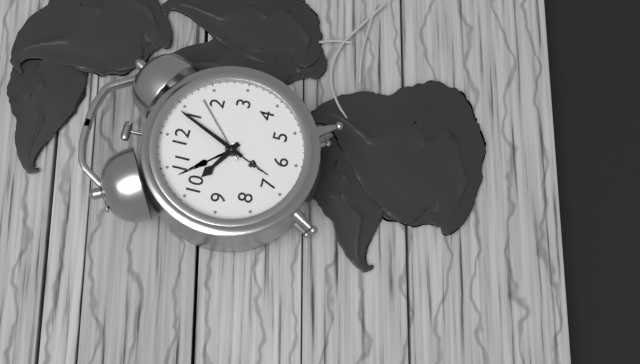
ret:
10:04
